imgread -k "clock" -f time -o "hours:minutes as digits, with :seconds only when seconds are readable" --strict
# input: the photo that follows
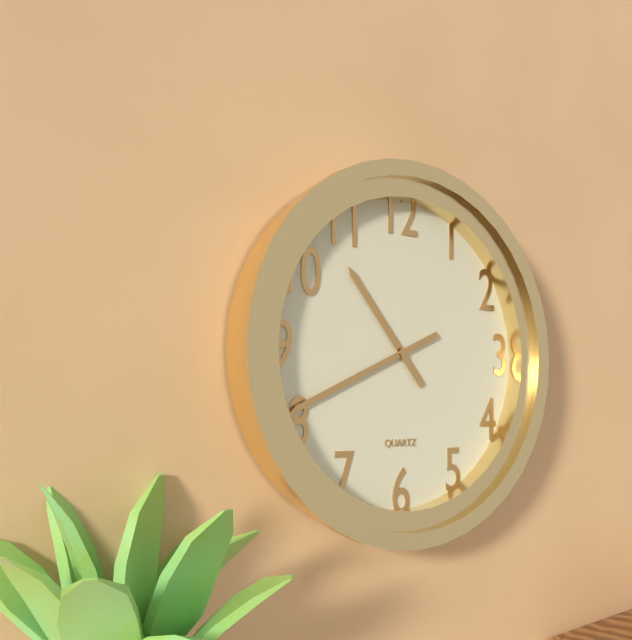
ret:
10:41
